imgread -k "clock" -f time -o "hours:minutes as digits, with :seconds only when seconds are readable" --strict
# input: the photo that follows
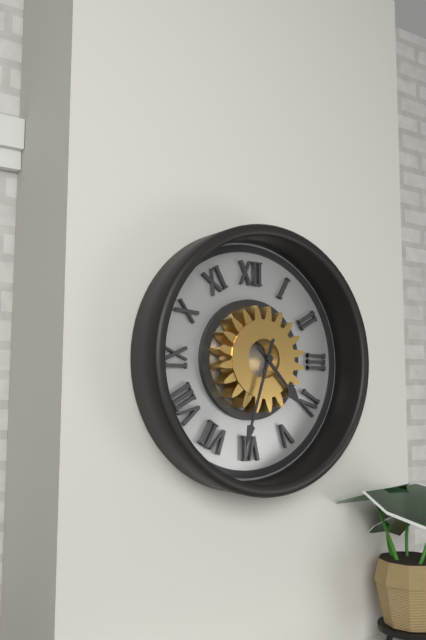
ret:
4:33
